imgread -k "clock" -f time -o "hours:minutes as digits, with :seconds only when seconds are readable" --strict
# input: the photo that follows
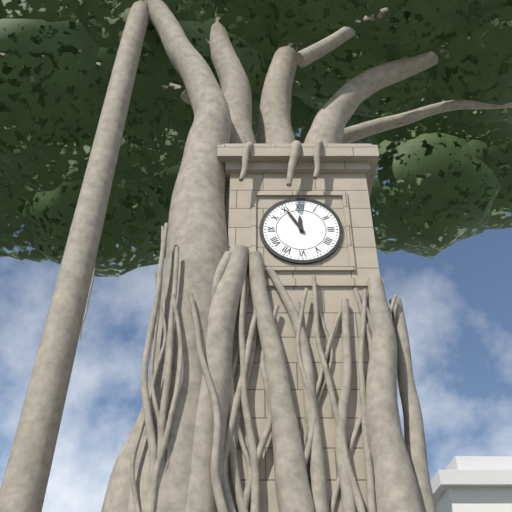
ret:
11:55
